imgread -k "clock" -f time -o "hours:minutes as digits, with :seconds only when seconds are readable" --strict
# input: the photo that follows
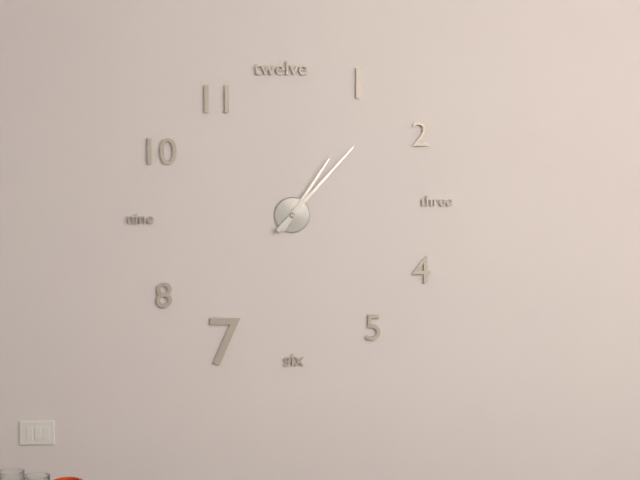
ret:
1:07
